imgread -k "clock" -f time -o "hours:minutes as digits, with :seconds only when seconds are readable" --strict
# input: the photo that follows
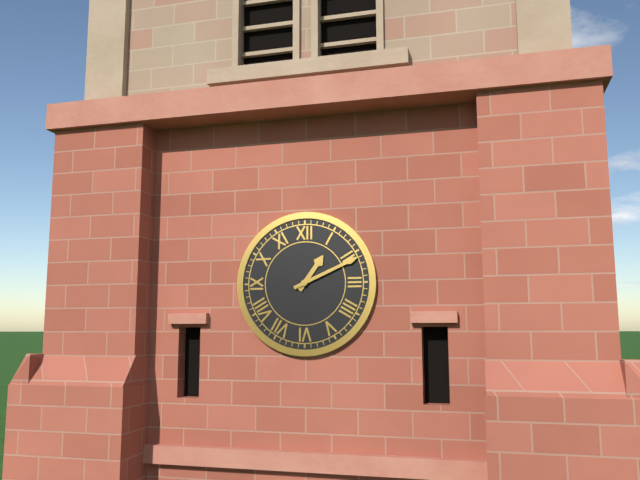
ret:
1:11
